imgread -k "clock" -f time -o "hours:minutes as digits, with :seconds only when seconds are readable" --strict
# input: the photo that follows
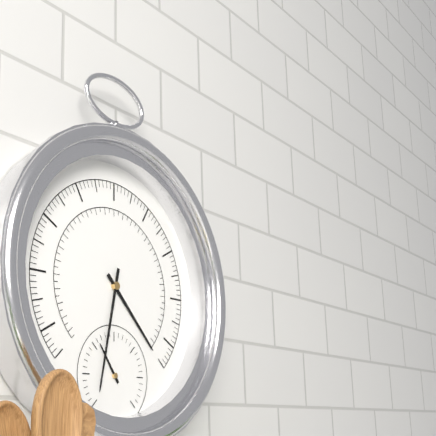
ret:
4:32
